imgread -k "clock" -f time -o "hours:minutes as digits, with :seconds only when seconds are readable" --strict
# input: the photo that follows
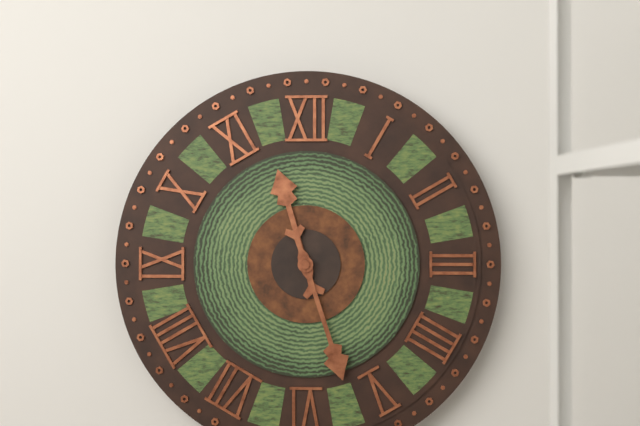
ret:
11:27
